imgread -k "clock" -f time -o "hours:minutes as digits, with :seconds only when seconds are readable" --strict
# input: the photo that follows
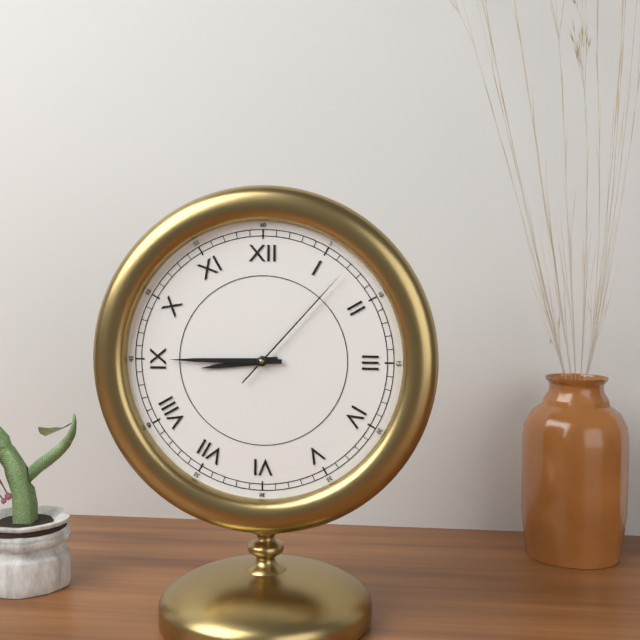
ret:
8:45:07
